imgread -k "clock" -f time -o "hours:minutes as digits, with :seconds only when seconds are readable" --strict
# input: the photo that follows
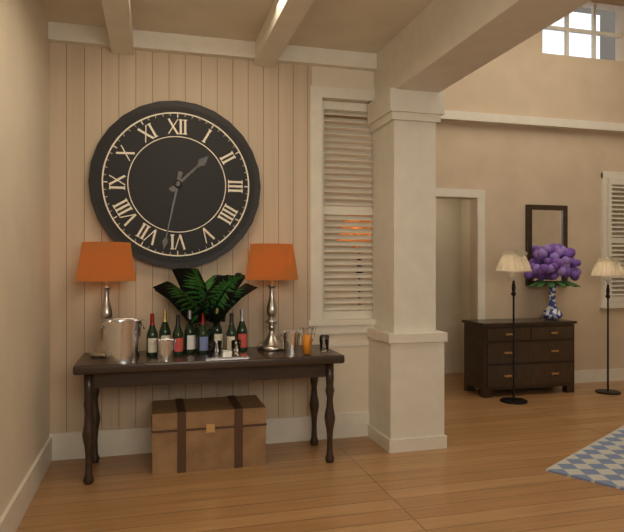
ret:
1:32
